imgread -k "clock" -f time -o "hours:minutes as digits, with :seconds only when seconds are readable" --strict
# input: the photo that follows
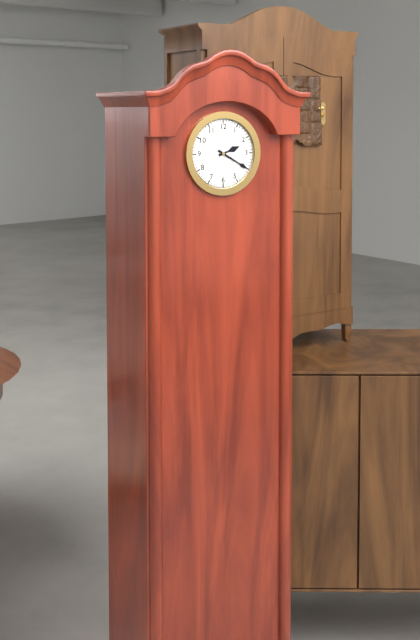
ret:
2:20
